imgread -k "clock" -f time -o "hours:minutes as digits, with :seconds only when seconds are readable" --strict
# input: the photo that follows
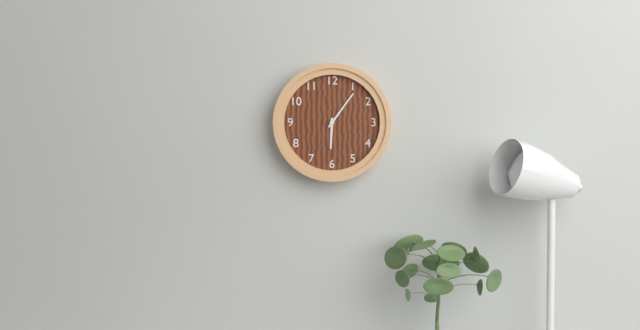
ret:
6:06
